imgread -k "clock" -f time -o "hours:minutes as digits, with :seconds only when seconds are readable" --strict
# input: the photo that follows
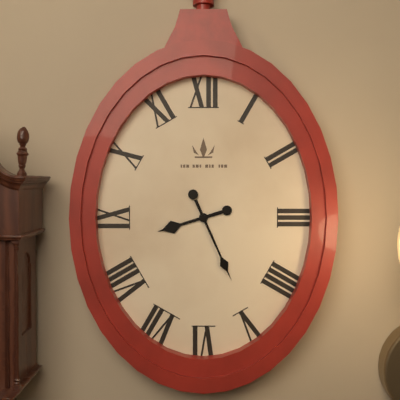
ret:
8:26
